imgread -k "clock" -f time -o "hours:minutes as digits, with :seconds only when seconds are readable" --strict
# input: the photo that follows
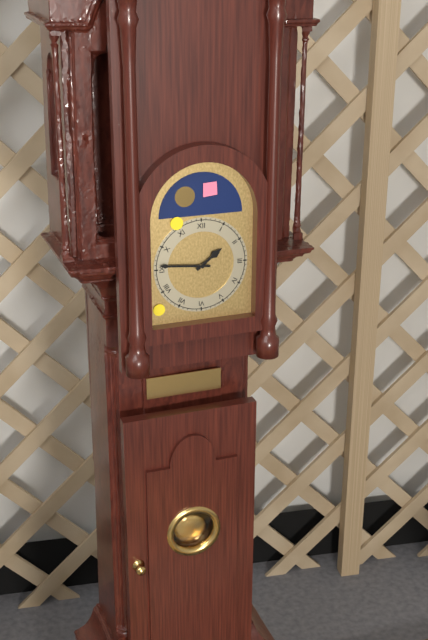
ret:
1:46
